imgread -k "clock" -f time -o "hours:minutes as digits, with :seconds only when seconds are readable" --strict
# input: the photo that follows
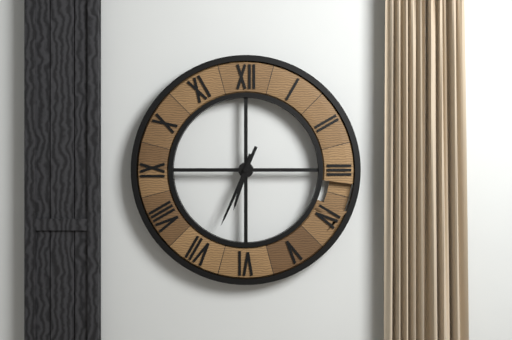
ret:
6:34
